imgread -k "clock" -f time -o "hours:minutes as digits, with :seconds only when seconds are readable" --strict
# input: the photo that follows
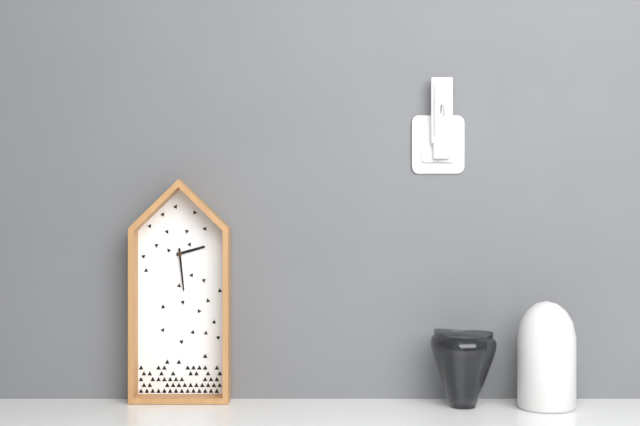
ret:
2:29
